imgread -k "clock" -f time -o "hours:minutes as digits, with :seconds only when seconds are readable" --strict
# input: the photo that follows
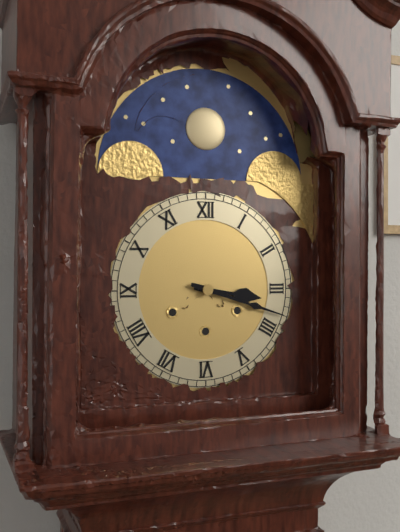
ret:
3:18
